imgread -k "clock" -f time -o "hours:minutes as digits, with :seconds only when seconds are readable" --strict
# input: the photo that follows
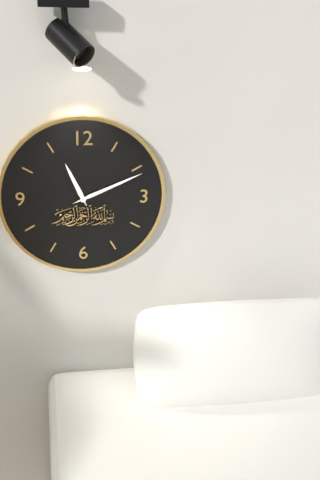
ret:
11:11
